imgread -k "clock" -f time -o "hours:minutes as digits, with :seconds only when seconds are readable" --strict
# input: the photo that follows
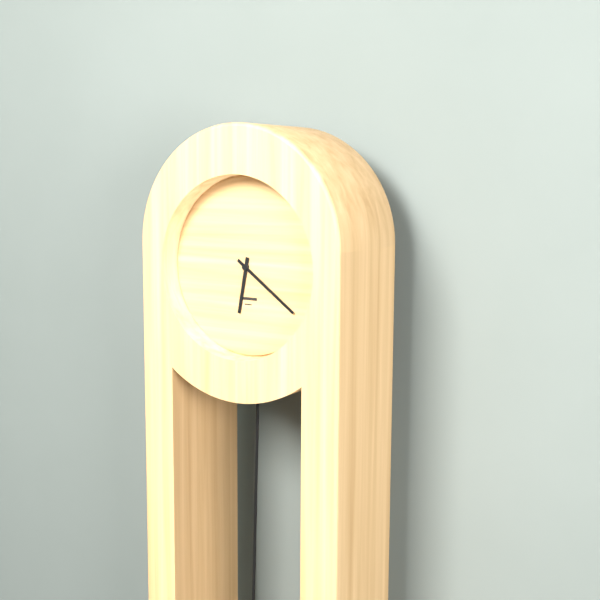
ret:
6:21
